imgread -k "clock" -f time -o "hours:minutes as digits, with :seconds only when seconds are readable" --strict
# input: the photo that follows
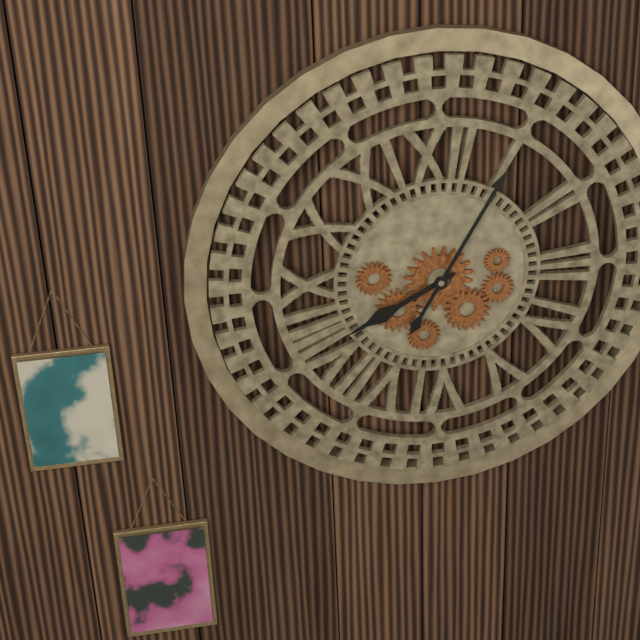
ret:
8:05
